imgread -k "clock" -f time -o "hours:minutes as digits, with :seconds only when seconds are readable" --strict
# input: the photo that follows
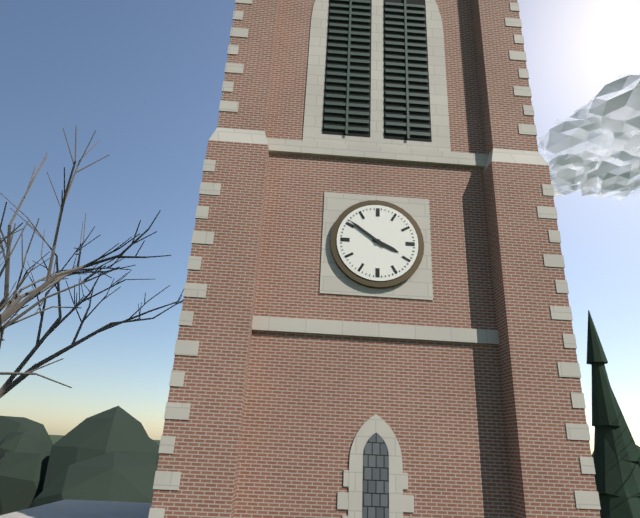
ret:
3:51
